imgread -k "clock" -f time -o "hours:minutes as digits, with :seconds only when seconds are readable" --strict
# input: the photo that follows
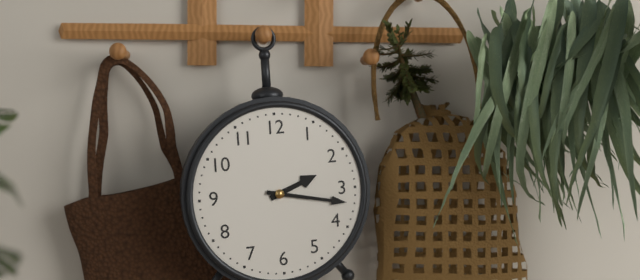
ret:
2:17
